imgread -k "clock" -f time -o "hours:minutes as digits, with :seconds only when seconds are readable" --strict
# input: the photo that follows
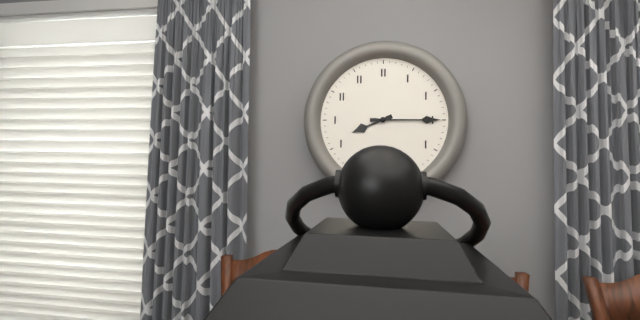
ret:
8:15
